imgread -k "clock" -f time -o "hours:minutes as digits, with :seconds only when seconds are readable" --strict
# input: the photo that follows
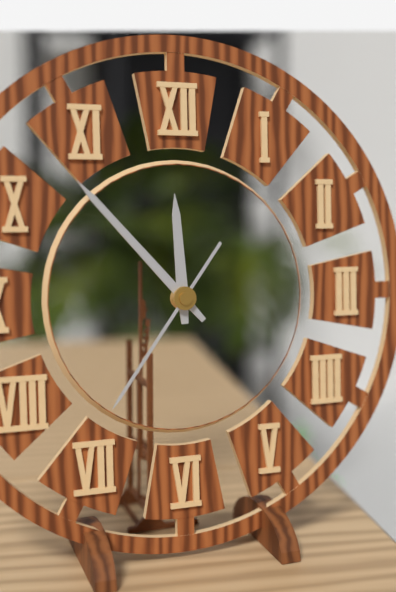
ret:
11:53:36
